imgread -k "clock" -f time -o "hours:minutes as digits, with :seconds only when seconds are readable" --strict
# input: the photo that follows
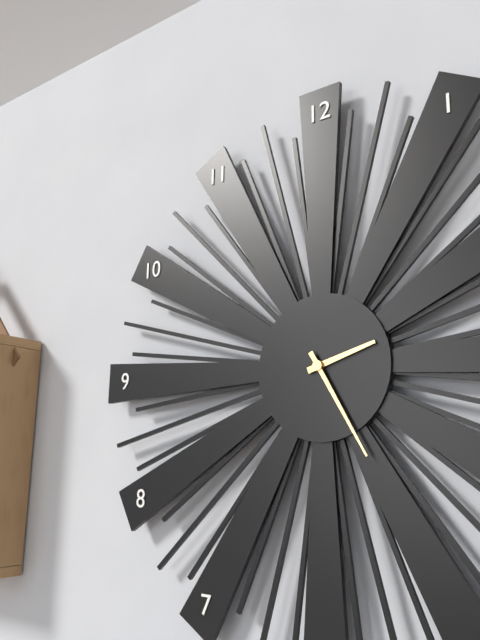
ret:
2:25
